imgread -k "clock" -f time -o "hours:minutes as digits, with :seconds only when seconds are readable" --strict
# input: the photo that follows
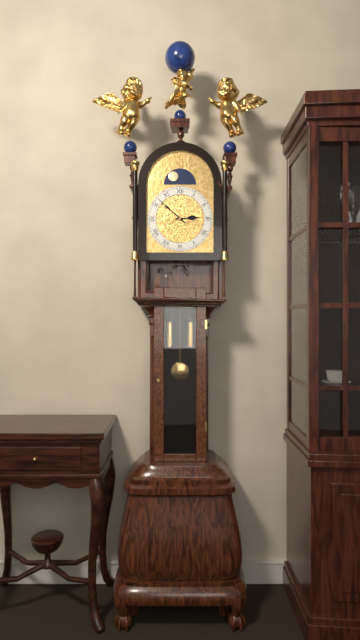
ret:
2:52
